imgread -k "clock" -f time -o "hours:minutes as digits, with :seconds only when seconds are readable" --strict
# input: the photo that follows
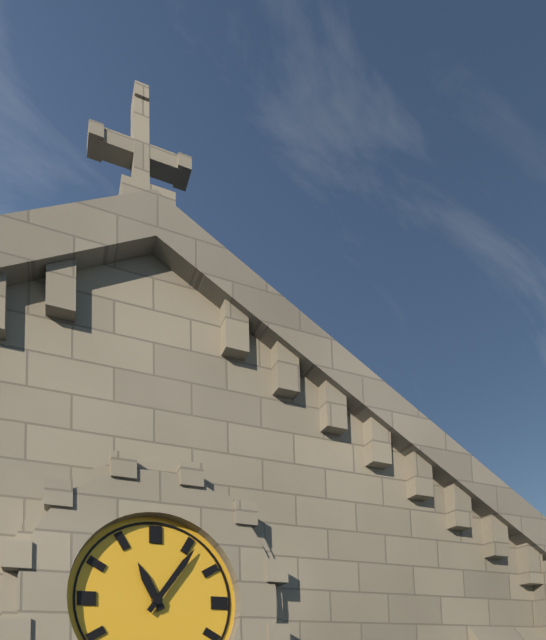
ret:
11:06
